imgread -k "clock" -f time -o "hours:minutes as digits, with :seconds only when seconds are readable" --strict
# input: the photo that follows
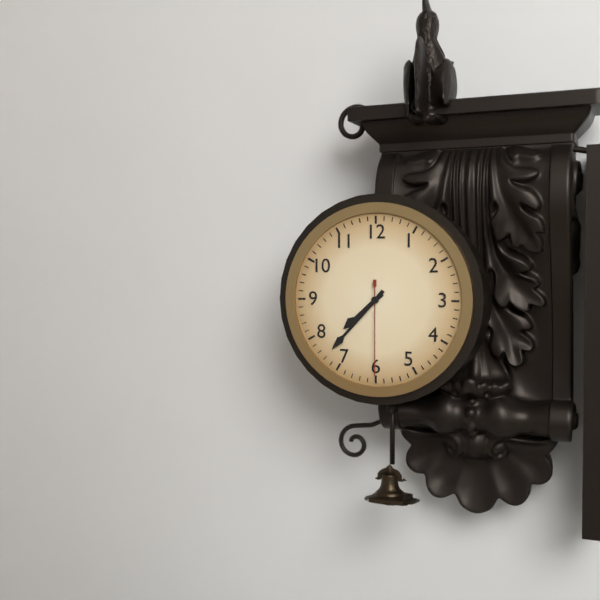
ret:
7:37:30
